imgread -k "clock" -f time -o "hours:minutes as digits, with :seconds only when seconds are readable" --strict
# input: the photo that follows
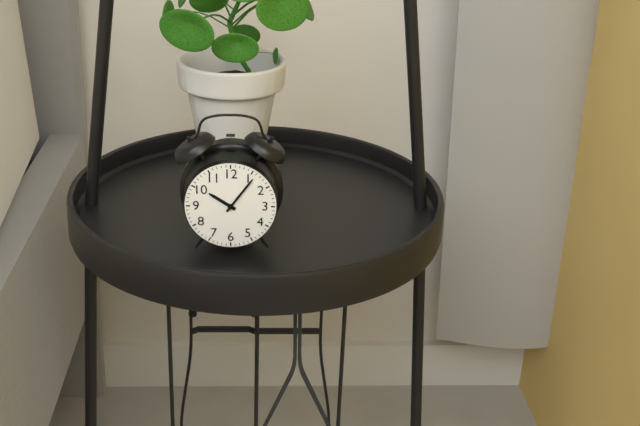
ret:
10:06
